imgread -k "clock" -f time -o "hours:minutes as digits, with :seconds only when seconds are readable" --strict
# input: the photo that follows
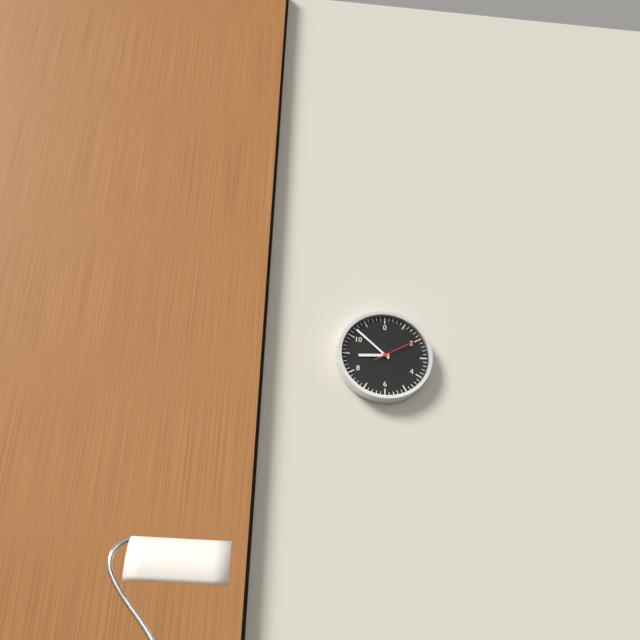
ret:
8:52:10
